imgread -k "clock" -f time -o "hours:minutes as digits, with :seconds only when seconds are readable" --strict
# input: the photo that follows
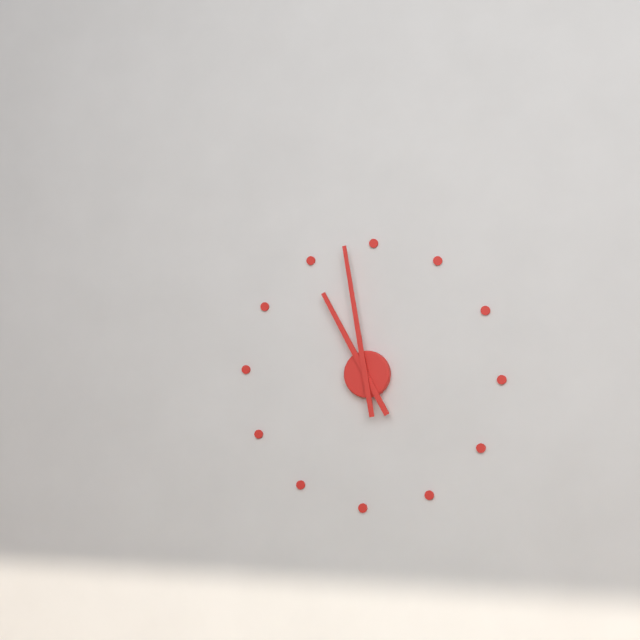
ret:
10:58
